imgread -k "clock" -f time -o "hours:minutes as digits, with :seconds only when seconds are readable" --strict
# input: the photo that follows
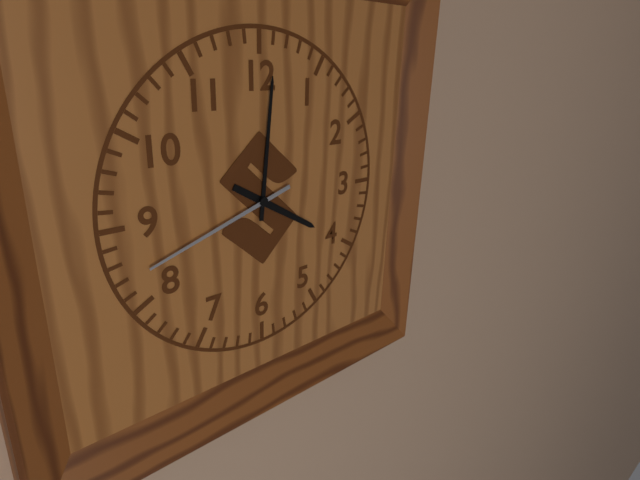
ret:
4:01:42
